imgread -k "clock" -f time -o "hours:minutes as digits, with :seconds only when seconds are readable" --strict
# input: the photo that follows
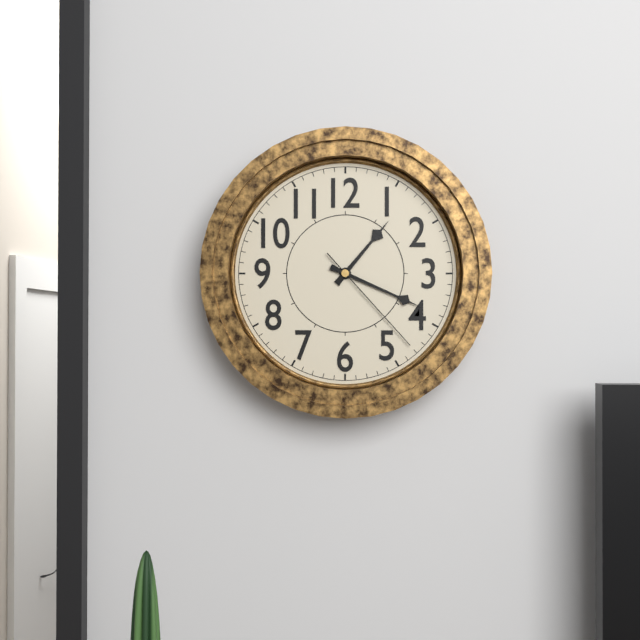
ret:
1:19:23
